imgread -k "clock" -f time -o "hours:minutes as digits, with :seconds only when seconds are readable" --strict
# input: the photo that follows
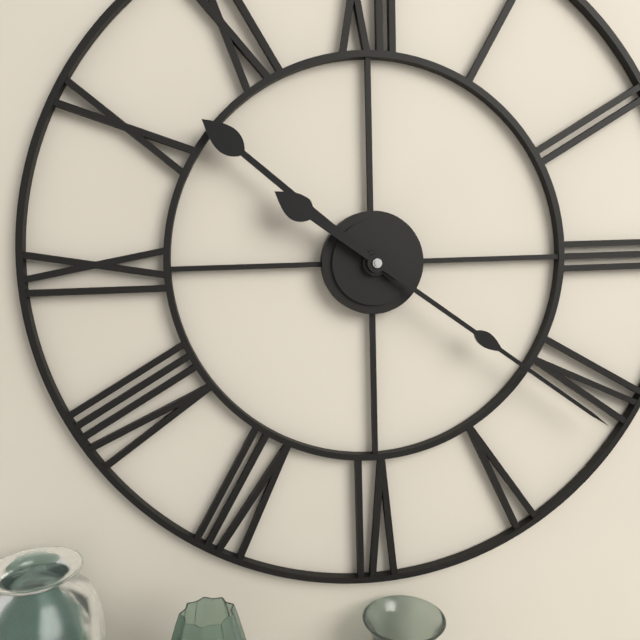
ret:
10:21
